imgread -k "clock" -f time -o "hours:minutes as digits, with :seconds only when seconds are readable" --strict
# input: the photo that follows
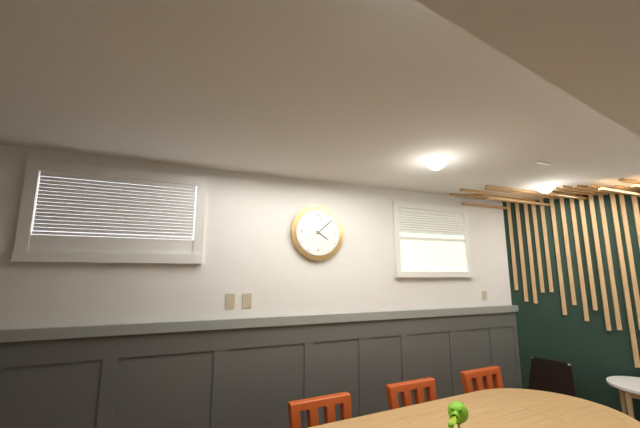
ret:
4:08
